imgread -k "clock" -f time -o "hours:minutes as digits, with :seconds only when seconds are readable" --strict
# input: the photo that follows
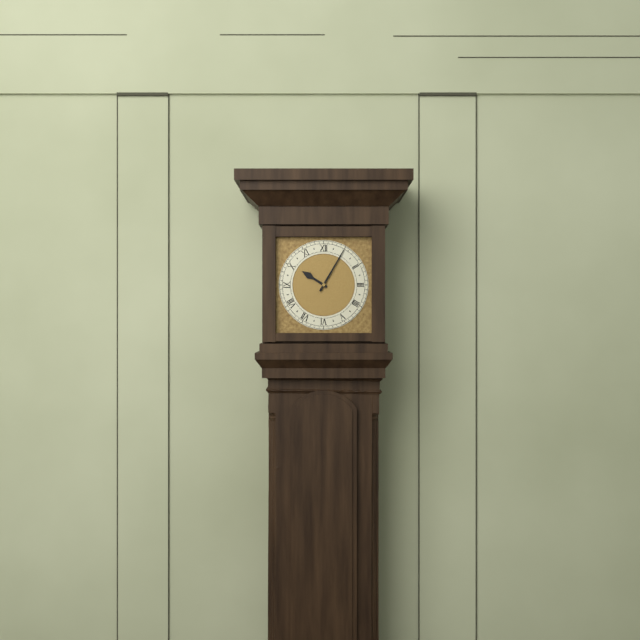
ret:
10:05
